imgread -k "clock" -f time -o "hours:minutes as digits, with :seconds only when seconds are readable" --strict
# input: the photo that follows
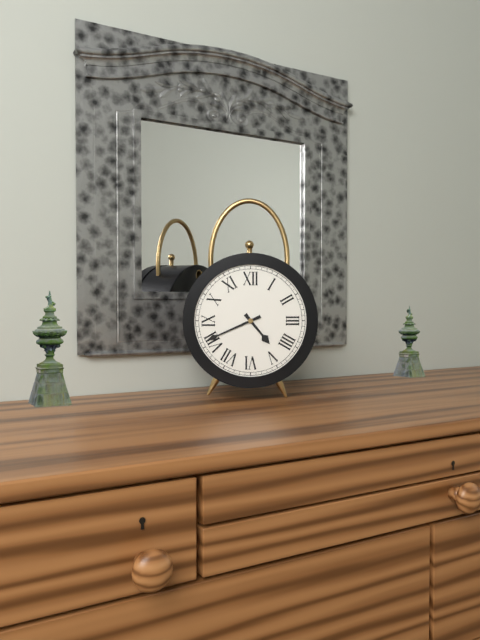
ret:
4:41
